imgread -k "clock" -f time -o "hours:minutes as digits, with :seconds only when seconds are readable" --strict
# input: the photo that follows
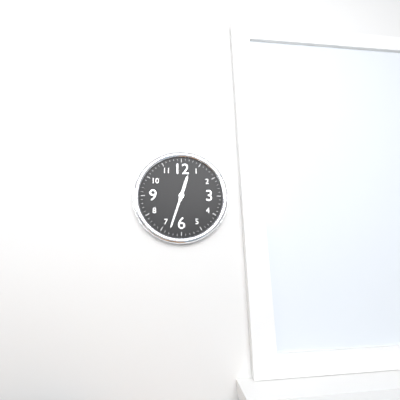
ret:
12:33
